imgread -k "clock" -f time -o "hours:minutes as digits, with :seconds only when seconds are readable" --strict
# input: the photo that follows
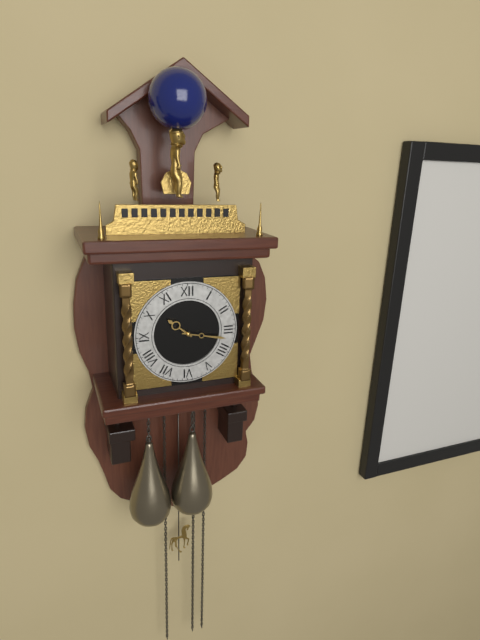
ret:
10:17
